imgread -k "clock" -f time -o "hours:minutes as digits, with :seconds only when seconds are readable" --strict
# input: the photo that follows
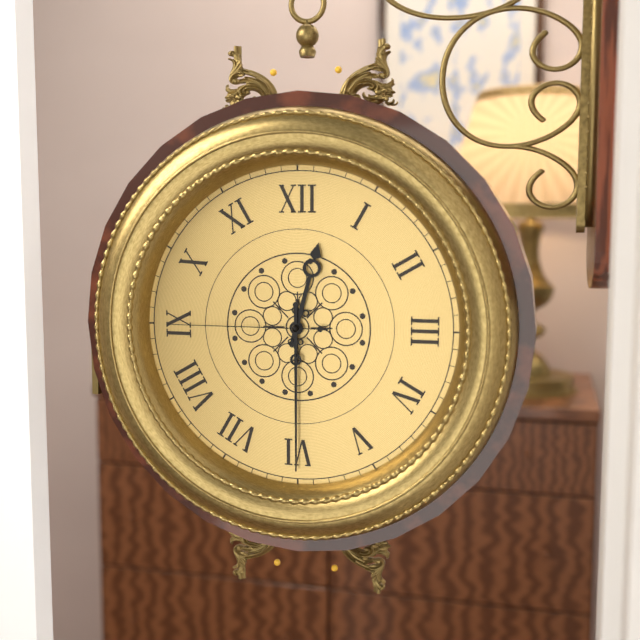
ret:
12:30:45
